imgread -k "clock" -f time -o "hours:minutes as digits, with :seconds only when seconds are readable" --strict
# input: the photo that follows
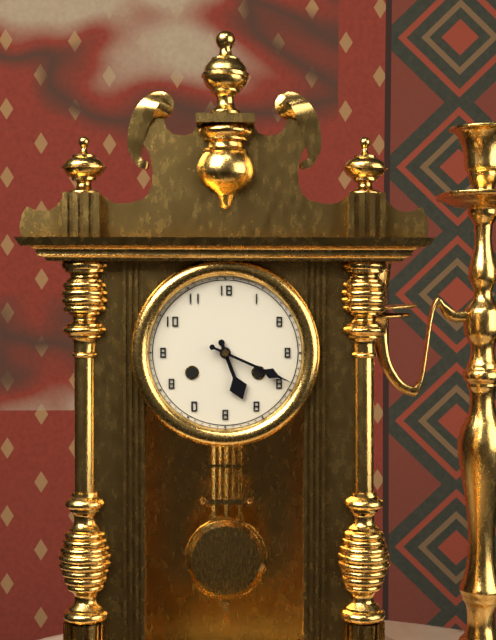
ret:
5:19
